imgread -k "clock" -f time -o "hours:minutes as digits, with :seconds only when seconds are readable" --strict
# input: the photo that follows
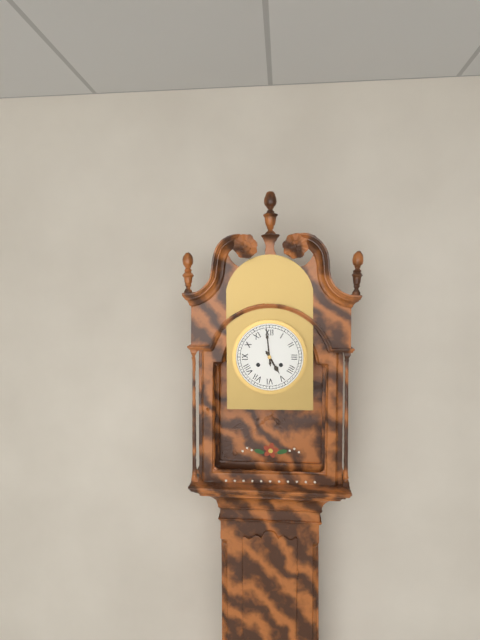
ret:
4:59
